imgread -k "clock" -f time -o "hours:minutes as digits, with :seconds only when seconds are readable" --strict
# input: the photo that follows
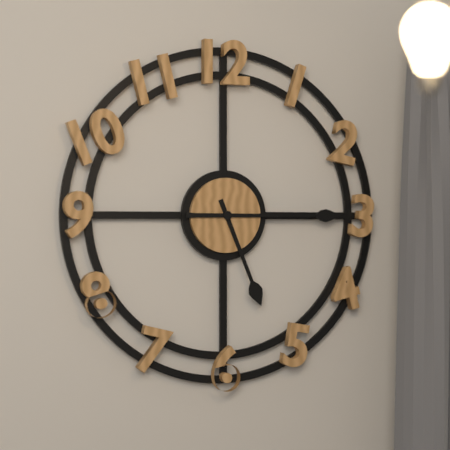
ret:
5:15
